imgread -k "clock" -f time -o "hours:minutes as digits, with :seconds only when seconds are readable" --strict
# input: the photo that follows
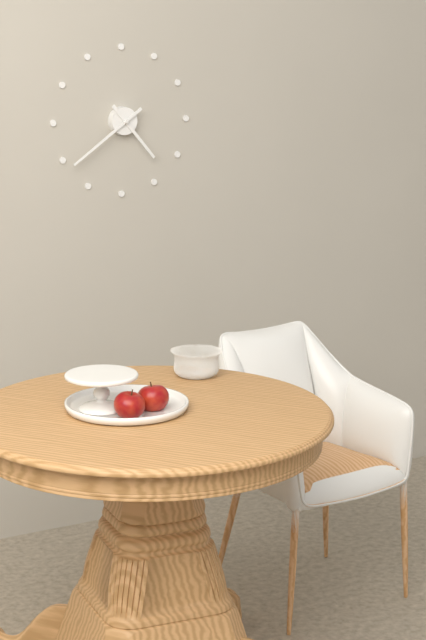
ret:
4:39
